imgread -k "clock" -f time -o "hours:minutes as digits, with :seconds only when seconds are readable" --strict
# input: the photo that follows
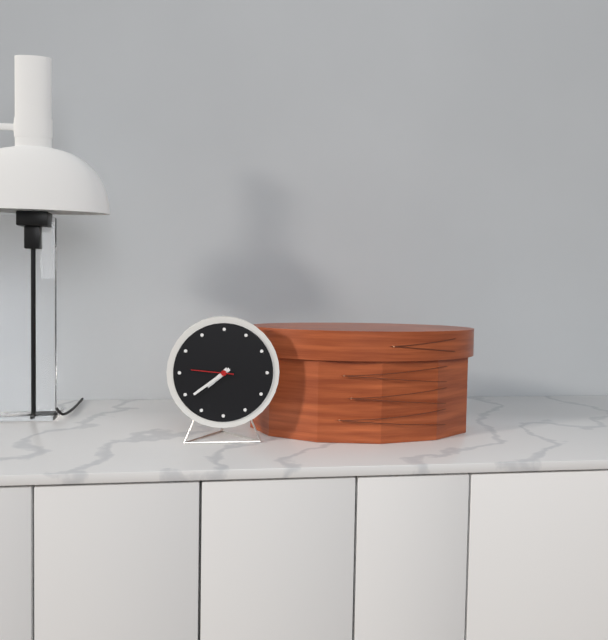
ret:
7:39
